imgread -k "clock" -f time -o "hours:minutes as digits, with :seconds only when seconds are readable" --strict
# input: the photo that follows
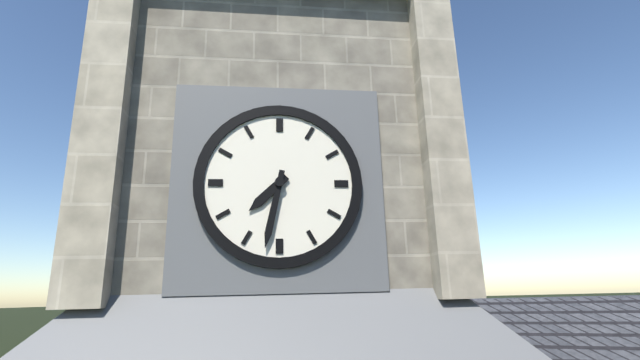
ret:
7:32
